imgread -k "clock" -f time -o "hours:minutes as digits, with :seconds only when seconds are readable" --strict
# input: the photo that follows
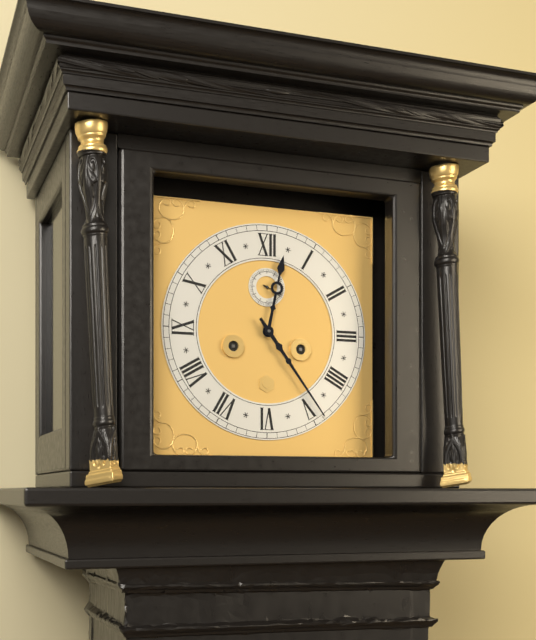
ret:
12:24
